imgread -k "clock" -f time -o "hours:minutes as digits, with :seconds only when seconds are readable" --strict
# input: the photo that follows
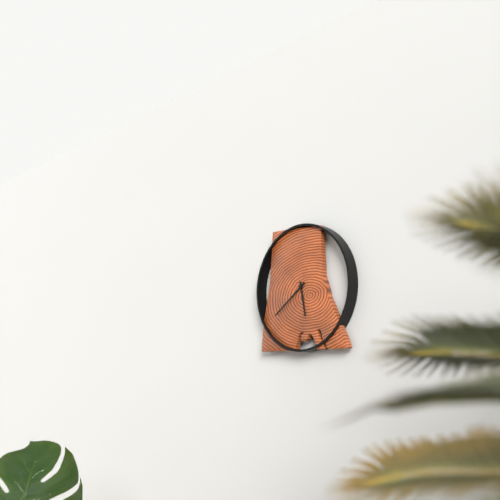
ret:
5:39
